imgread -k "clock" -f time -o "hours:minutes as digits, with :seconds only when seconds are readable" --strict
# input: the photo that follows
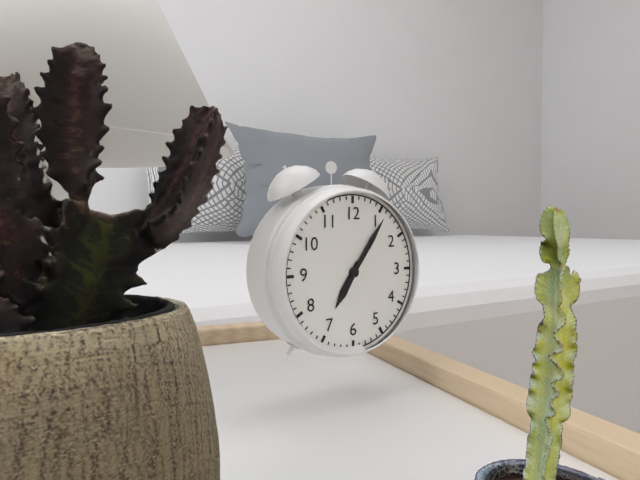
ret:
7:06
